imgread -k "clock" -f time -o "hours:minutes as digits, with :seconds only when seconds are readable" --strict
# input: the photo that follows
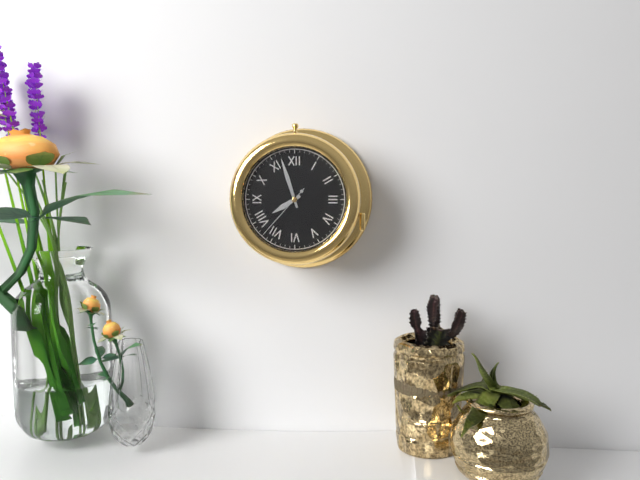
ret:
7:57:37
